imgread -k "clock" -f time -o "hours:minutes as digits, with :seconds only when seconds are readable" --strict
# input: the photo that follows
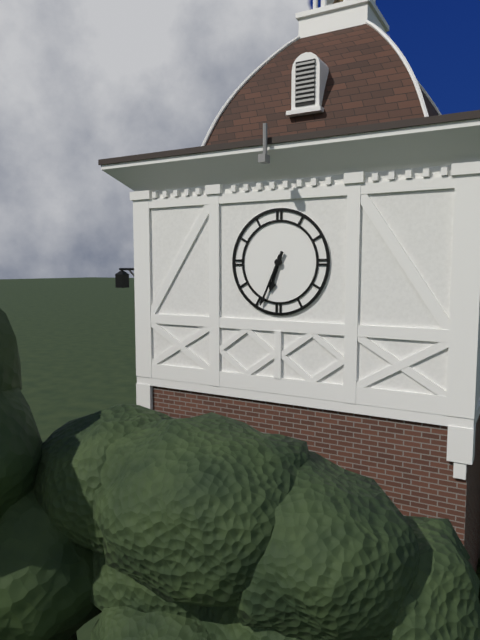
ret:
6:34
